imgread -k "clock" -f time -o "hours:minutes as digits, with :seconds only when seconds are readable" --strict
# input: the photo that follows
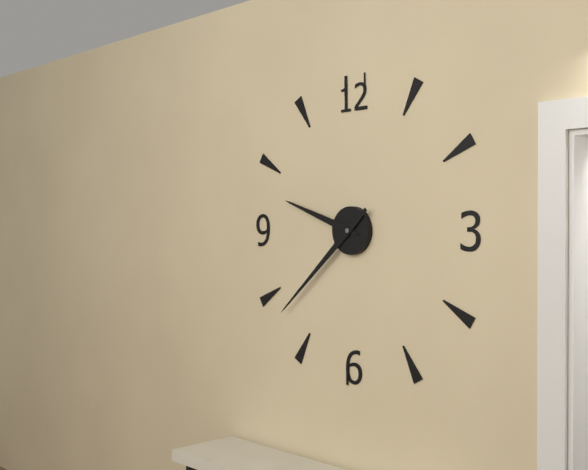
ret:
9:38
